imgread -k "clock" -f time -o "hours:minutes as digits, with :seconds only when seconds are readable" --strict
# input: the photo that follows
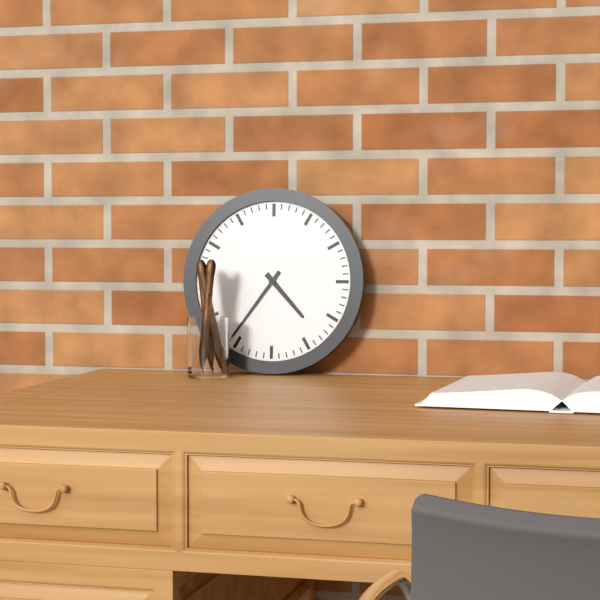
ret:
4:36
